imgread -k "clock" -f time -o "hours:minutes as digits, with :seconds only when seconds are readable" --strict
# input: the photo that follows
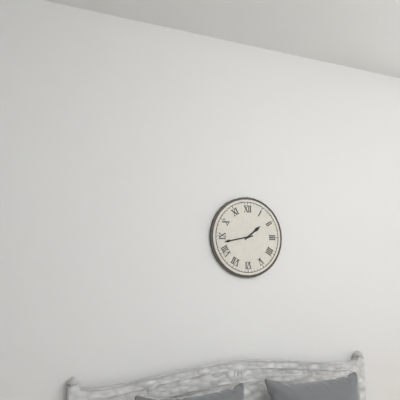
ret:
1:43
